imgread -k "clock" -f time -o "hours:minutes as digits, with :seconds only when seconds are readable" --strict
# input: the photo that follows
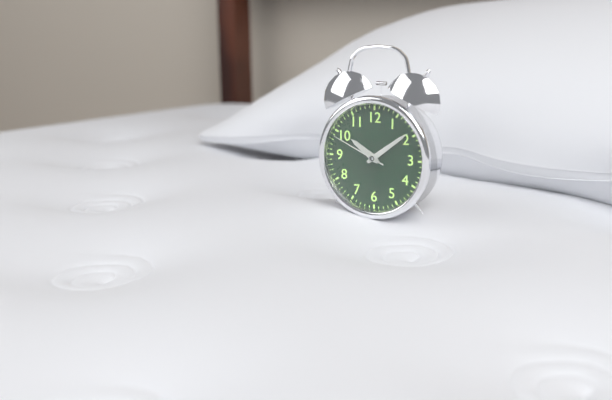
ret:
10:09:49
